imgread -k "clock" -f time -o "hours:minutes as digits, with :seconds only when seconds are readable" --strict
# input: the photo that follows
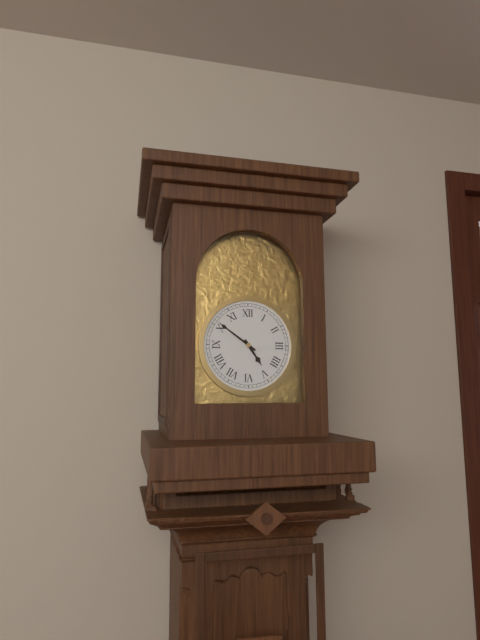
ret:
4:51
